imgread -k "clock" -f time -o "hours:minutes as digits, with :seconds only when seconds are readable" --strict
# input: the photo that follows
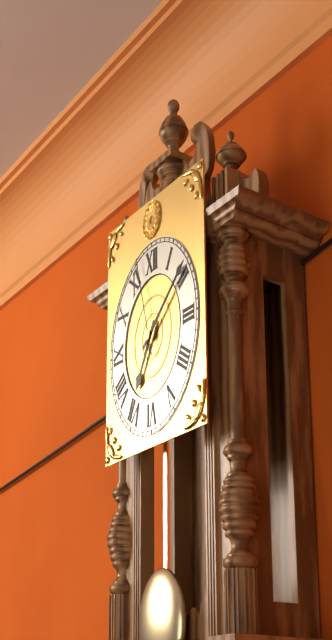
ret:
7:09:57
